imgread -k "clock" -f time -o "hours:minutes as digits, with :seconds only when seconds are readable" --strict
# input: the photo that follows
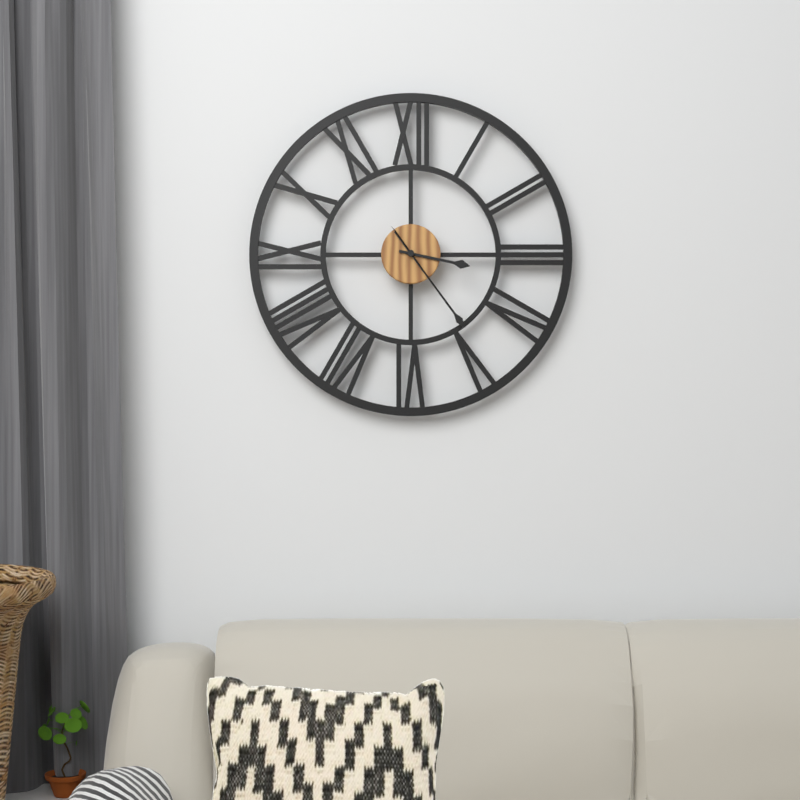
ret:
3:24
